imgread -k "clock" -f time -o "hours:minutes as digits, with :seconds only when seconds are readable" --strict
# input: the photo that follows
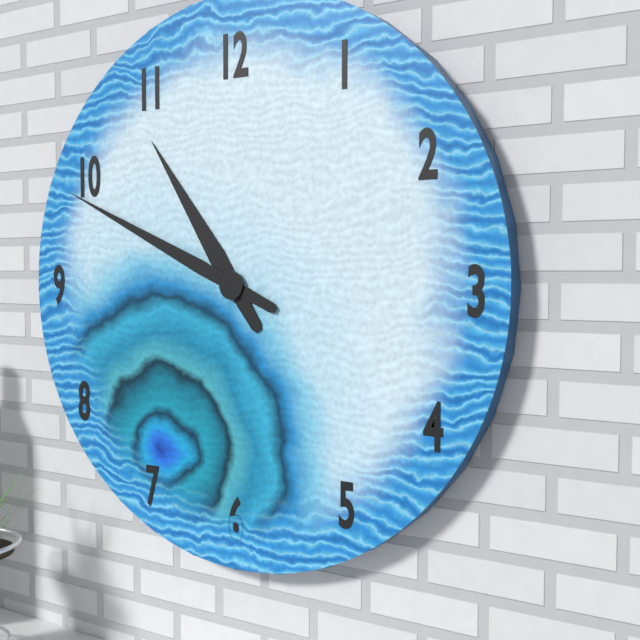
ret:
10:49
